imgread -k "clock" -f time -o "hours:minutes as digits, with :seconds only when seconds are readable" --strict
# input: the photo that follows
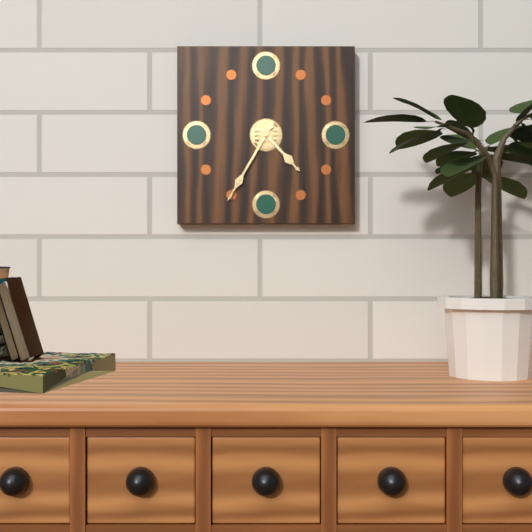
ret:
4:35
